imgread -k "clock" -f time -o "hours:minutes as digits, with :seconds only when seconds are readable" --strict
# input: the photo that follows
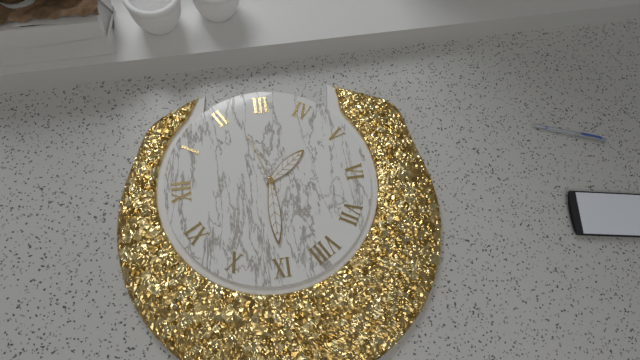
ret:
4:45:12
